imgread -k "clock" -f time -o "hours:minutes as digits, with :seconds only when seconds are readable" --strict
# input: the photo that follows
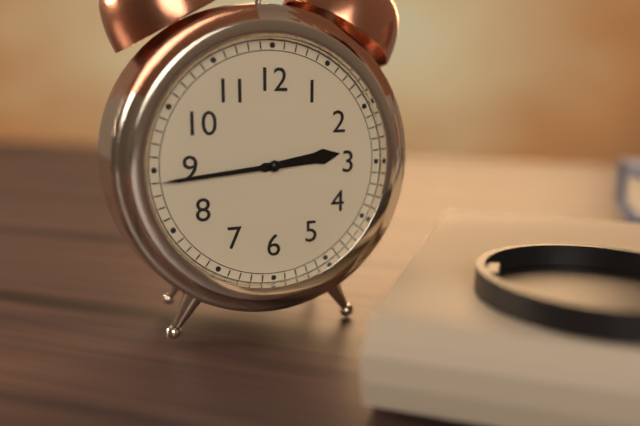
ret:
2:44
